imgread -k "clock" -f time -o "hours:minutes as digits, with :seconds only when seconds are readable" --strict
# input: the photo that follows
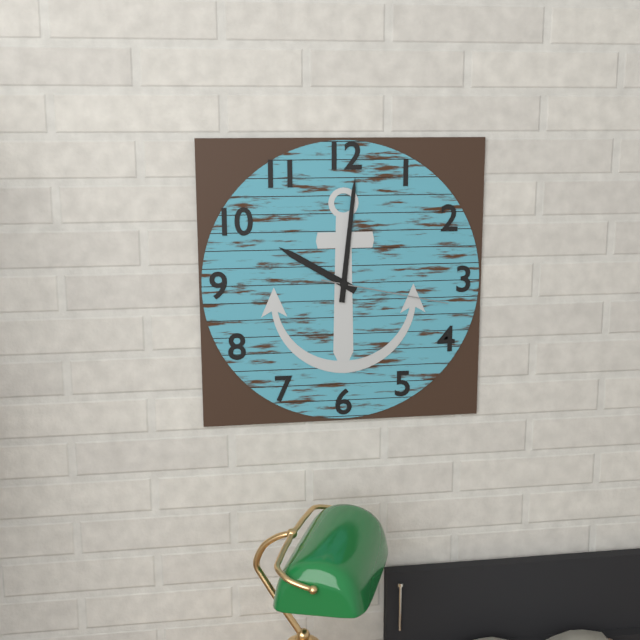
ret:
10:01:17
